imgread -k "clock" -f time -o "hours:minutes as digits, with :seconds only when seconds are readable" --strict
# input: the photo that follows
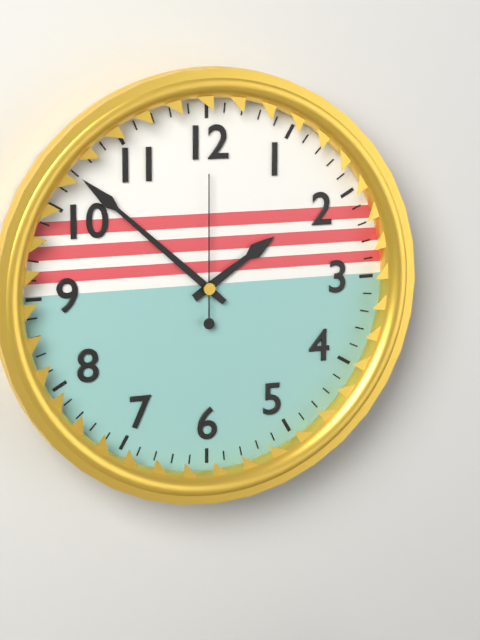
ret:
1:52:00
